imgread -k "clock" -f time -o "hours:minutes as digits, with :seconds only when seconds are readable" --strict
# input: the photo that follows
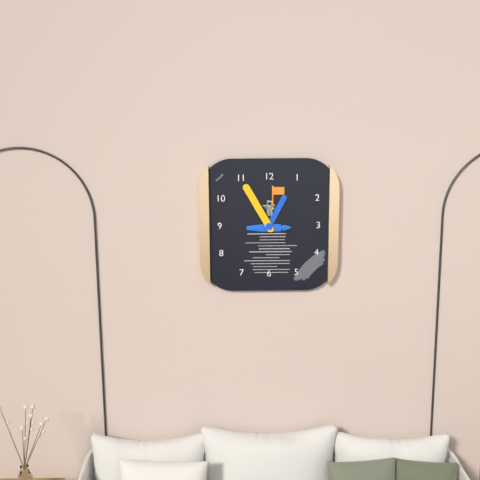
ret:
12:55
